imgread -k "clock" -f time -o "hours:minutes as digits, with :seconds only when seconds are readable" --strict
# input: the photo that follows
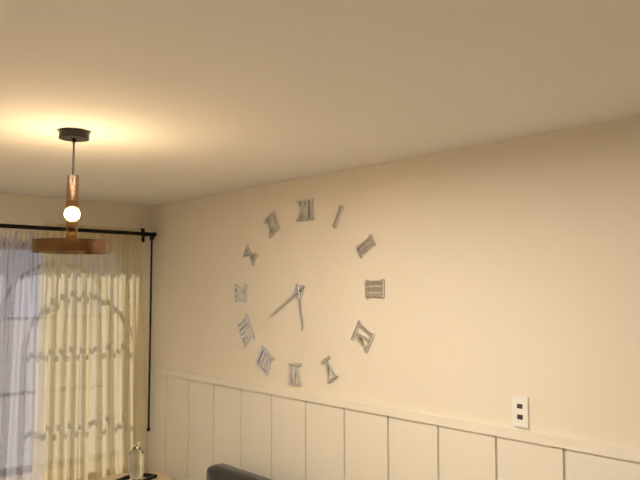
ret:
5:40
